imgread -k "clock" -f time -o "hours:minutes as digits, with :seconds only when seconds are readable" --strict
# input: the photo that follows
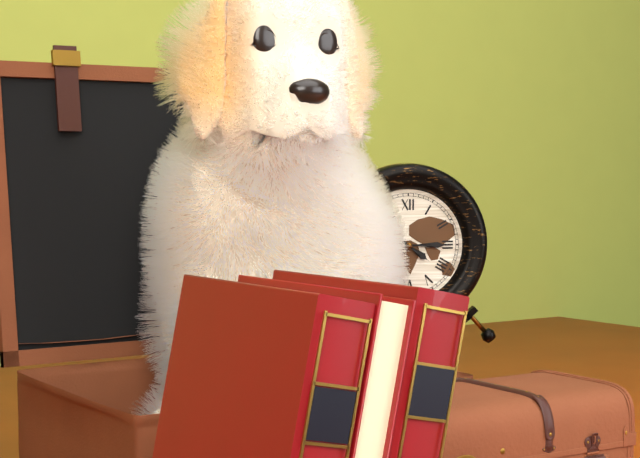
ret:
4:15
